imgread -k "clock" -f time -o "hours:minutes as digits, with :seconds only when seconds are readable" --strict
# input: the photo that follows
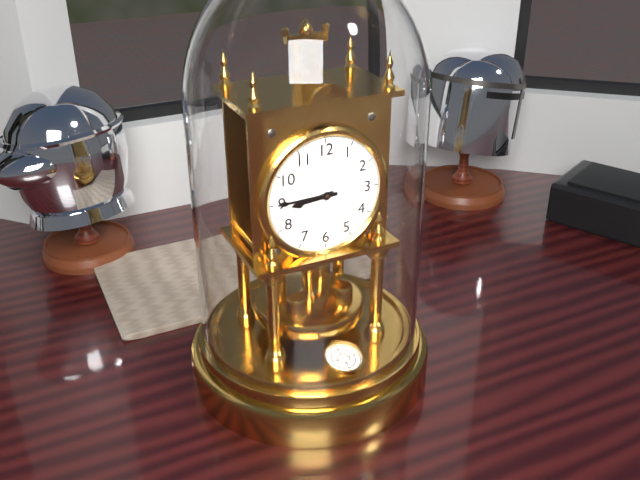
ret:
8:45
